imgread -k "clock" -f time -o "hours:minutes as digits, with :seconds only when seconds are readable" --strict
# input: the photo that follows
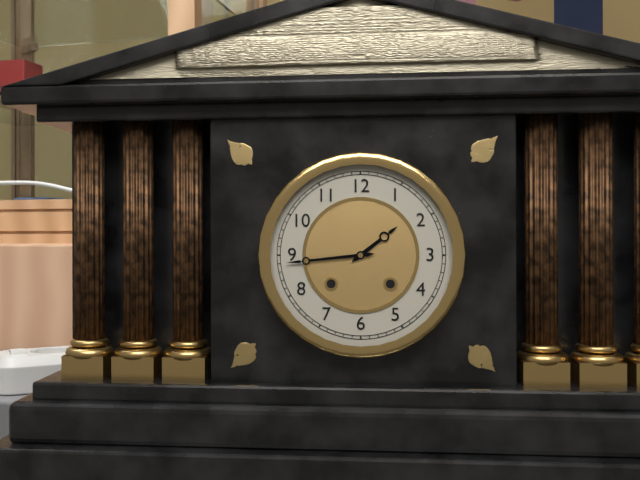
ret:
1:44
